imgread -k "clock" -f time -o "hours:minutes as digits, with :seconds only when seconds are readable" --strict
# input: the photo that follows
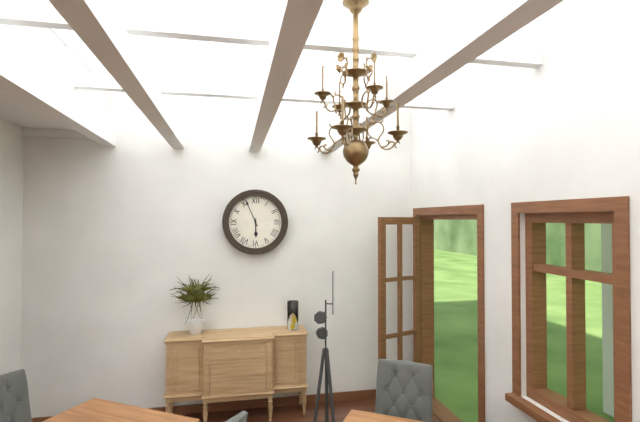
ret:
5:56
